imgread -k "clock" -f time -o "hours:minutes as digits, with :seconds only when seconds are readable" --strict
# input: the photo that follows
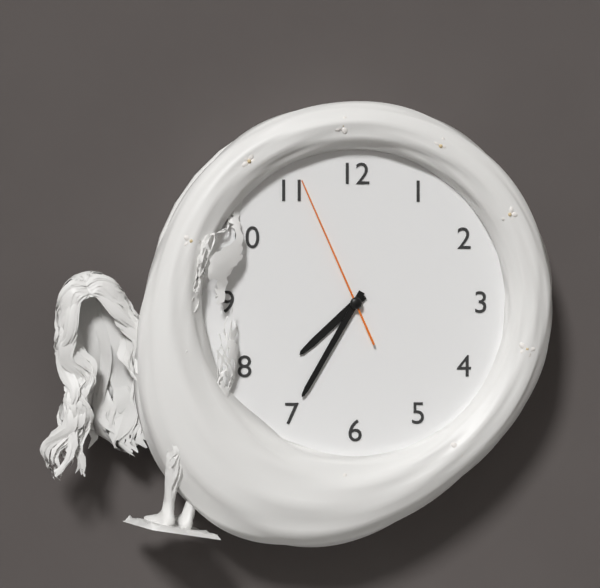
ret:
7:35:56
